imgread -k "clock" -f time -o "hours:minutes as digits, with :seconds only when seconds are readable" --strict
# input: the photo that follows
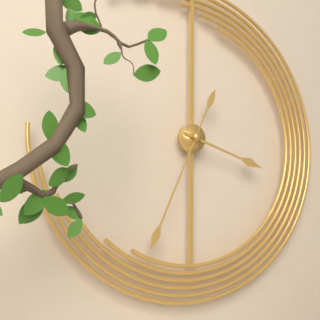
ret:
3:34
